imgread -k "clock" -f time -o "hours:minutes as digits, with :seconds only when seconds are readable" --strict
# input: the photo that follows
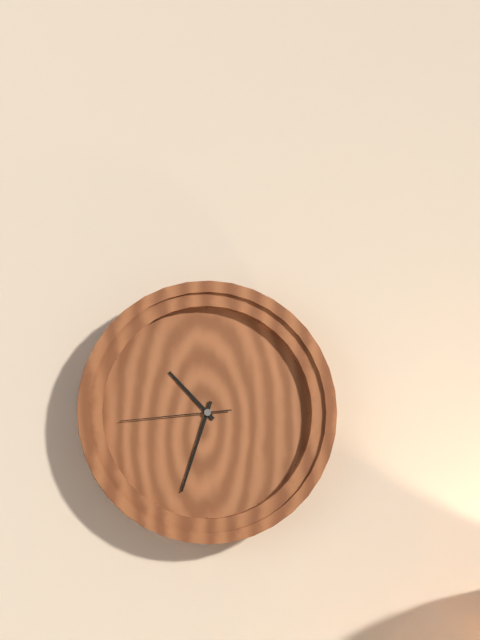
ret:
10:33:44
